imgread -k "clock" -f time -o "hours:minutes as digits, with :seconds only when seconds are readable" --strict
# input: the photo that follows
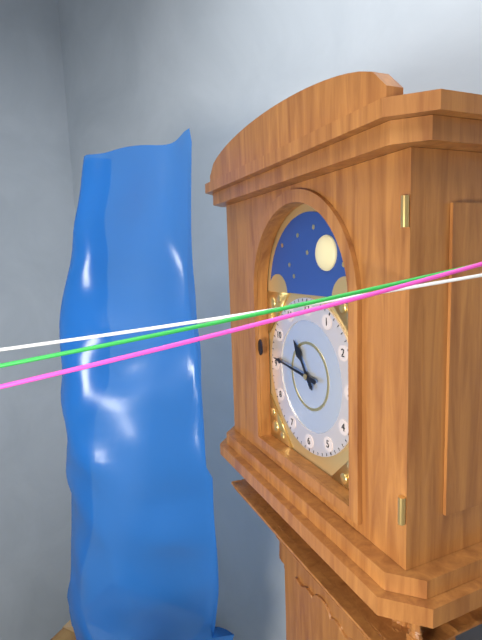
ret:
10:46
